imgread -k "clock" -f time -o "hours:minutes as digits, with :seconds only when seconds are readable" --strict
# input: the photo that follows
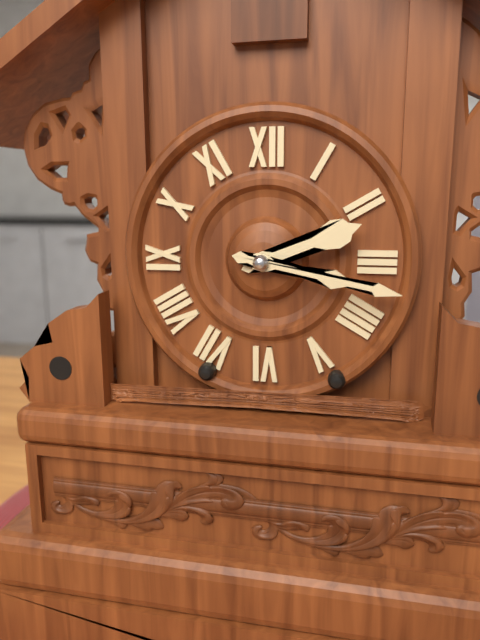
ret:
2:17
